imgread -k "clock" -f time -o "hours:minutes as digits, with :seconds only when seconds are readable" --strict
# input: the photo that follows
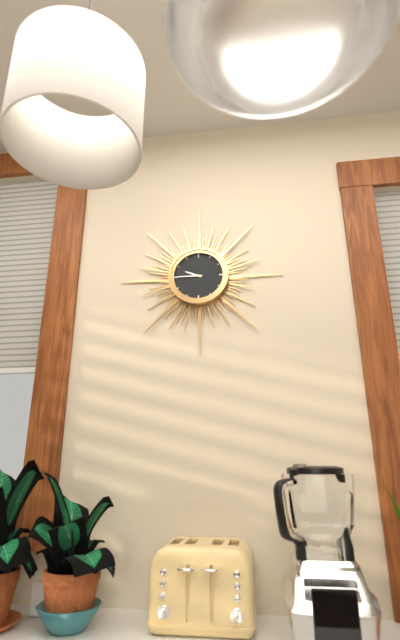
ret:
9:45
